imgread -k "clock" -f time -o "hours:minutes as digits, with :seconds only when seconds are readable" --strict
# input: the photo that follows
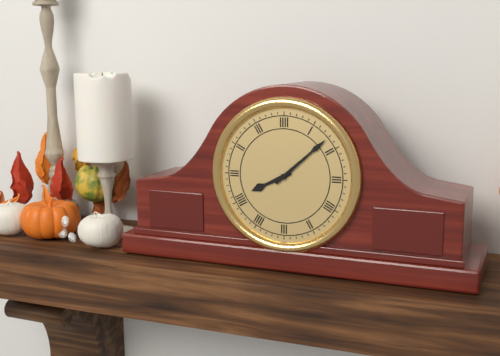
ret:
8:08
